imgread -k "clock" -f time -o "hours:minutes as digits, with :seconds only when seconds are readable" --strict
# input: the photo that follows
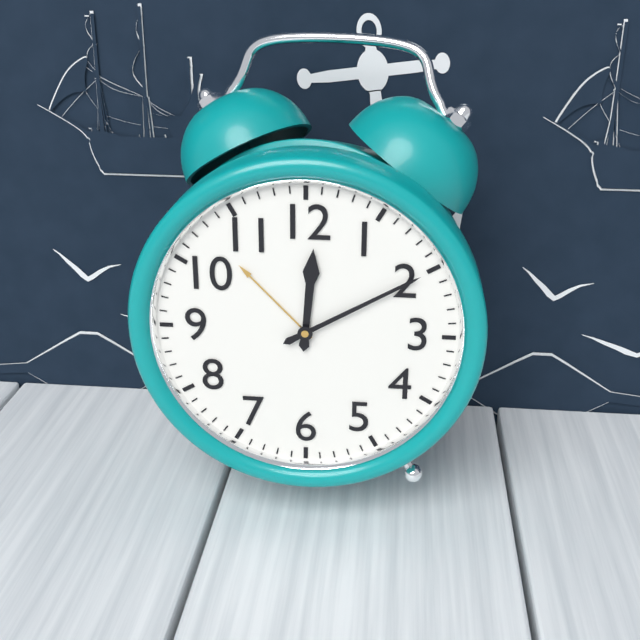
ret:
12:10
